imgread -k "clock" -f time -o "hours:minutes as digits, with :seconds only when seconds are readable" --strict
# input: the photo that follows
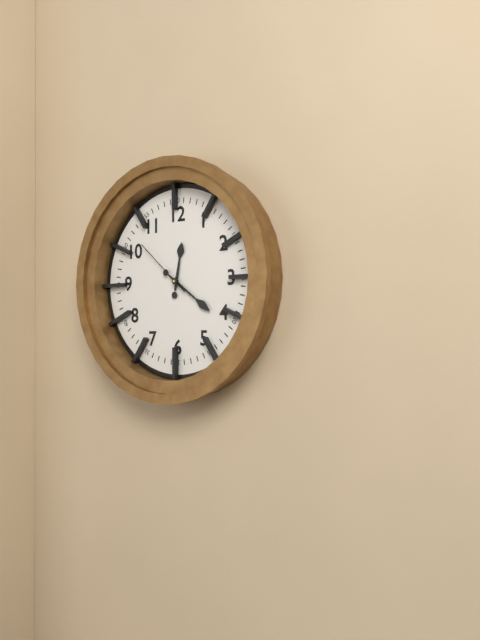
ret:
12:21:52
